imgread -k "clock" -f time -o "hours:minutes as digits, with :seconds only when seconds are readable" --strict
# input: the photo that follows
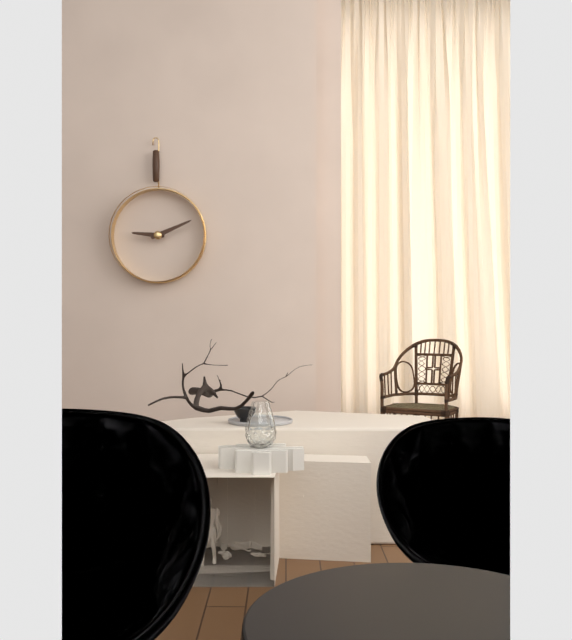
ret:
9:11
